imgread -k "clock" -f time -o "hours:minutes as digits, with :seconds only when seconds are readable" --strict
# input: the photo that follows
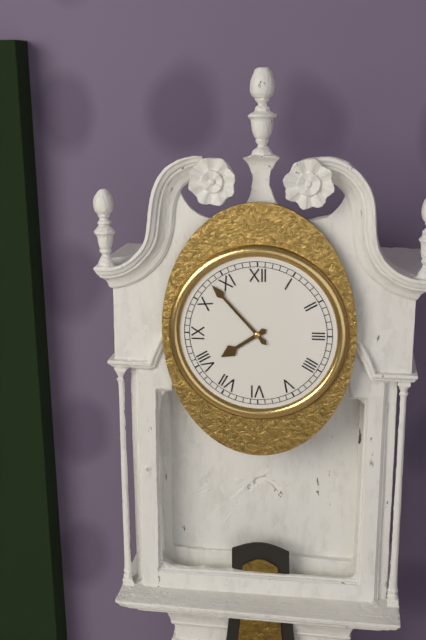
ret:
7:53
